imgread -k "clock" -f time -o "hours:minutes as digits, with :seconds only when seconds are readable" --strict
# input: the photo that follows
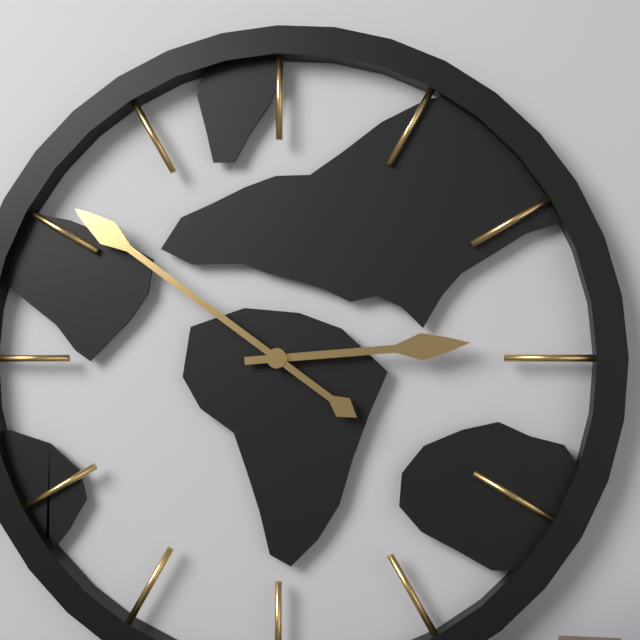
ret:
2:51
